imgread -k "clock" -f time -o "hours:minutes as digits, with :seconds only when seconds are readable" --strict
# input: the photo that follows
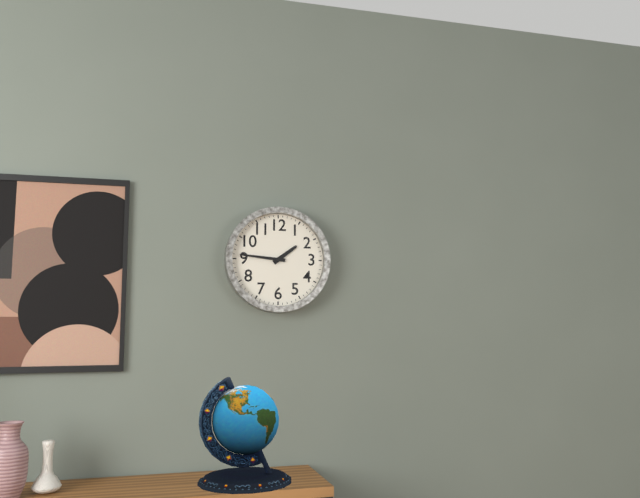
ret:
1:46
